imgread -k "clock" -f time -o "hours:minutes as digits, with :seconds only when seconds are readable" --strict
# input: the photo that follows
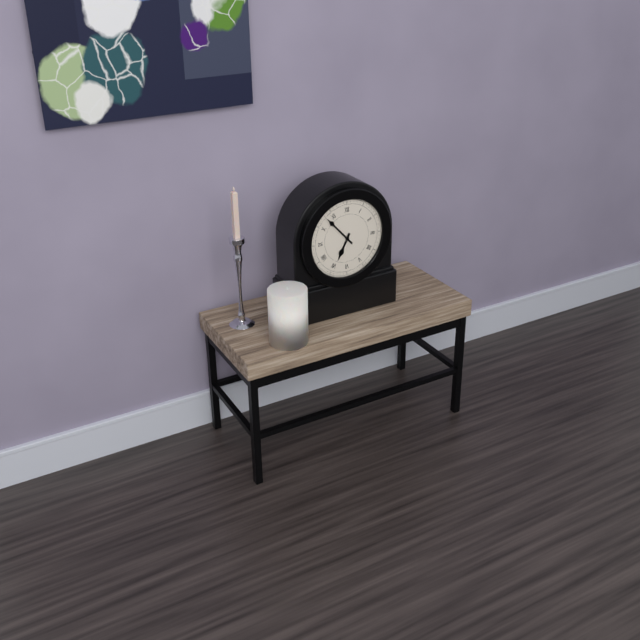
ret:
6:53
